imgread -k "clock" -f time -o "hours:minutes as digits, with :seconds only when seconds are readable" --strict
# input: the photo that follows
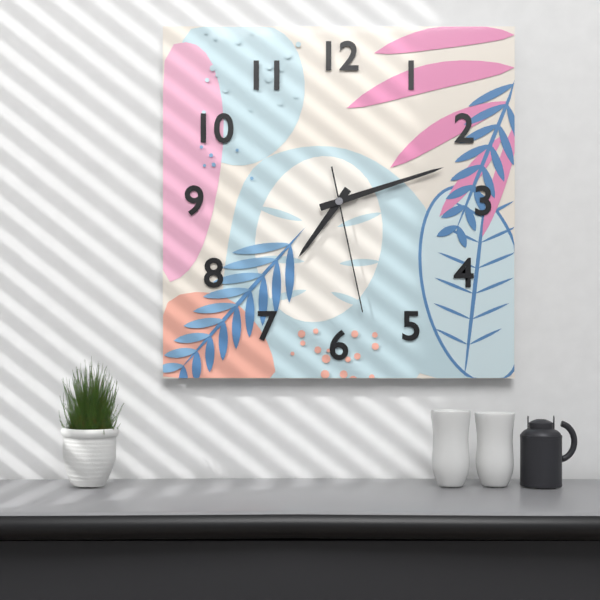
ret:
7:12:28
